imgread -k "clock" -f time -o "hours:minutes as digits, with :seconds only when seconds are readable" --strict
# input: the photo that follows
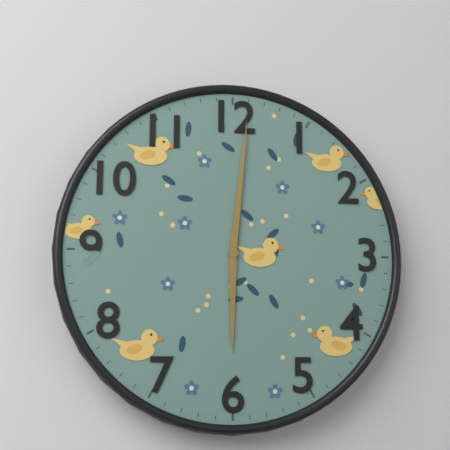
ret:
6:01
